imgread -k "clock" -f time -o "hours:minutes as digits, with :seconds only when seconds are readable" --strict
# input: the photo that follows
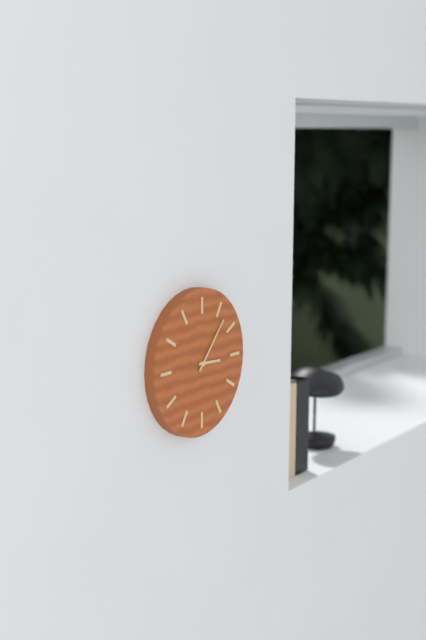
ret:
3:07
